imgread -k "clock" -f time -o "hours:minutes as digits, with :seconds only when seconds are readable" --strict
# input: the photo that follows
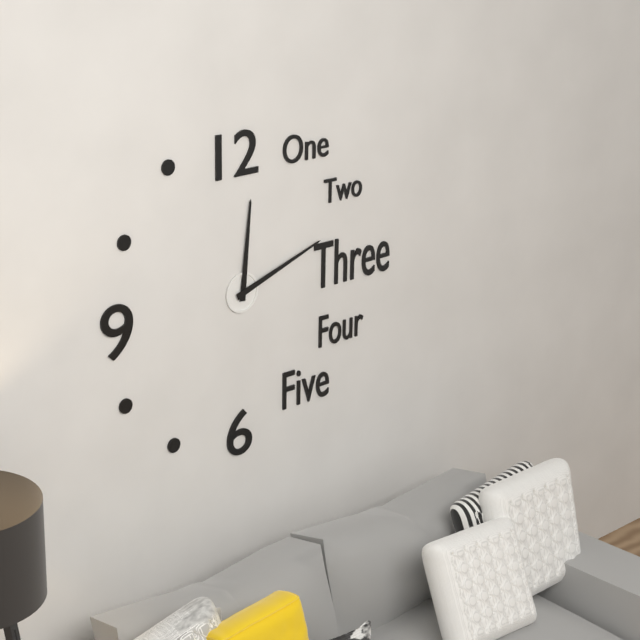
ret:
12:12
